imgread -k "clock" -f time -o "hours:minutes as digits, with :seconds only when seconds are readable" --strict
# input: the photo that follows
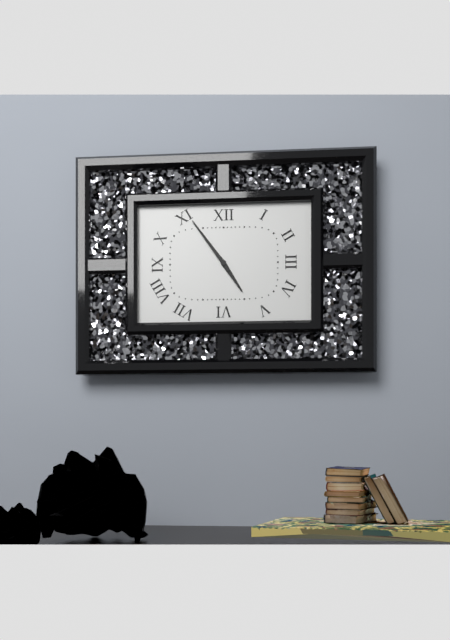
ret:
4:54
